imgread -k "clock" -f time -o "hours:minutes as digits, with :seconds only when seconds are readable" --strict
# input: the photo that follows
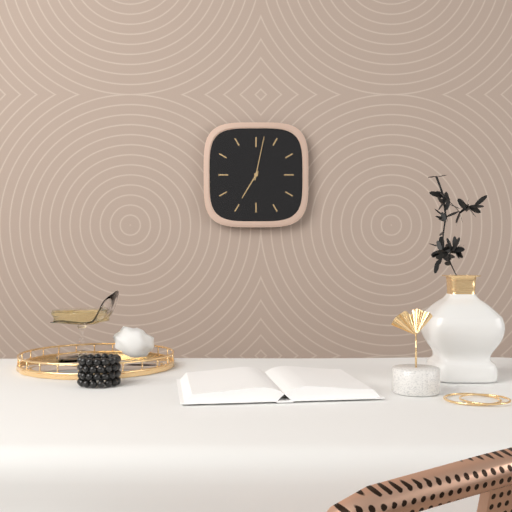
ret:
7:02
